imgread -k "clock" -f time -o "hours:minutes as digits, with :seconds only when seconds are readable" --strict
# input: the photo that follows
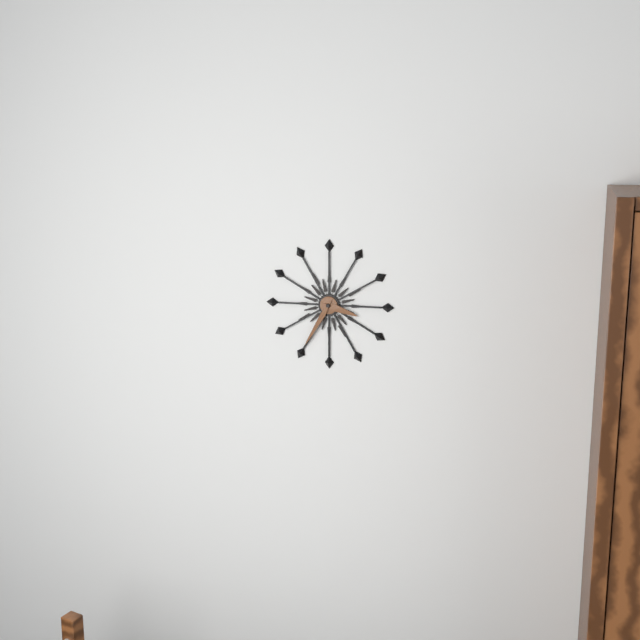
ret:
3:35
